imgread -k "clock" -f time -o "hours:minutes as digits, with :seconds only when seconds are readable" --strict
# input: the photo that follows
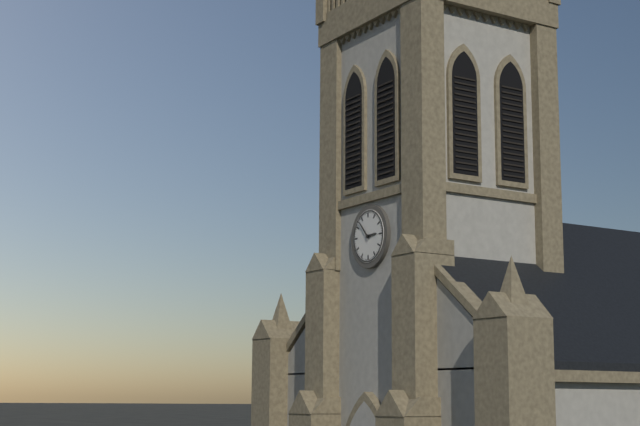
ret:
2:53
